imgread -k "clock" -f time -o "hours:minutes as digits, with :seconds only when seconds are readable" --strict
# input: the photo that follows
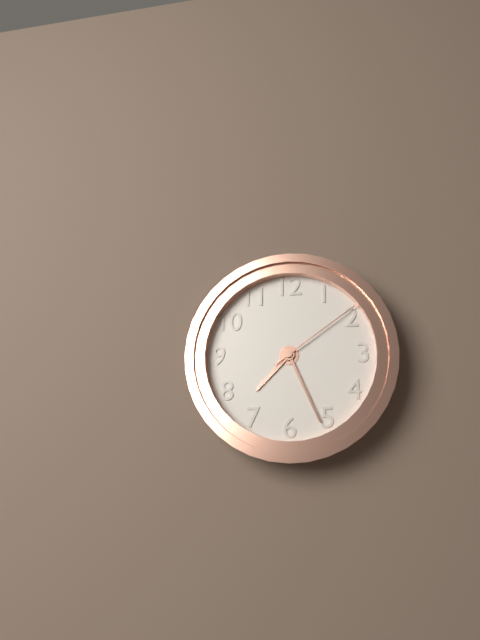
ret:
7:26:09
